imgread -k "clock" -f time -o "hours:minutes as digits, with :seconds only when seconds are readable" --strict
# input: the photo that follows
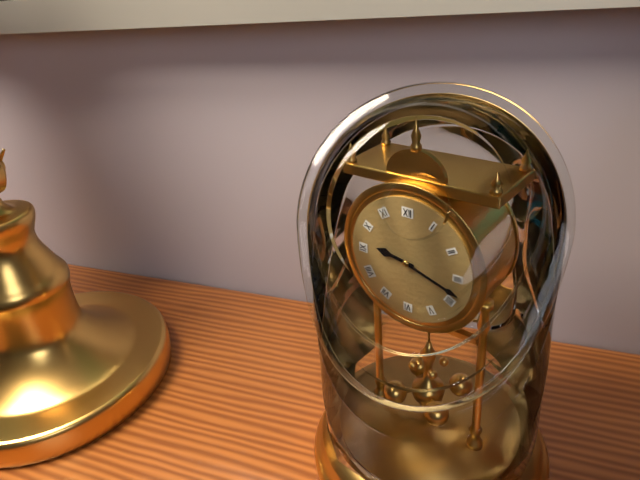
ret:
9:18
